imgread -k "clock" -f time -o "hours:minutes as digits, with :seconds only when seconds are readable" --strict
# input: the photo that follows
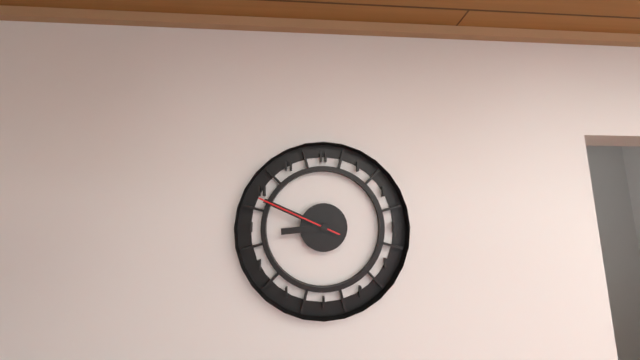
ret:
8:49:49
